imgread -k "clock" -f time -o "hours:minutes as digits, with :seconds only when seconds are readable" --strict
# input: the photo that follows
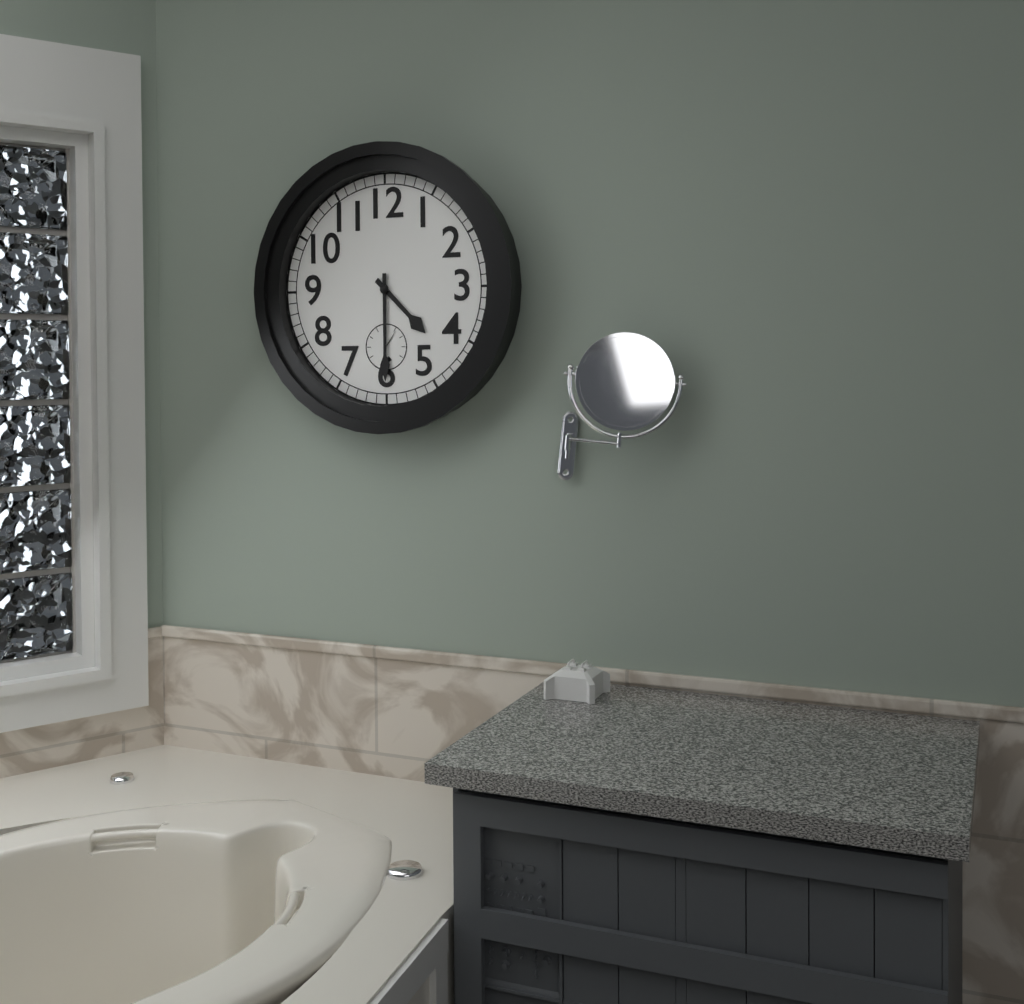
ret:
4:30
